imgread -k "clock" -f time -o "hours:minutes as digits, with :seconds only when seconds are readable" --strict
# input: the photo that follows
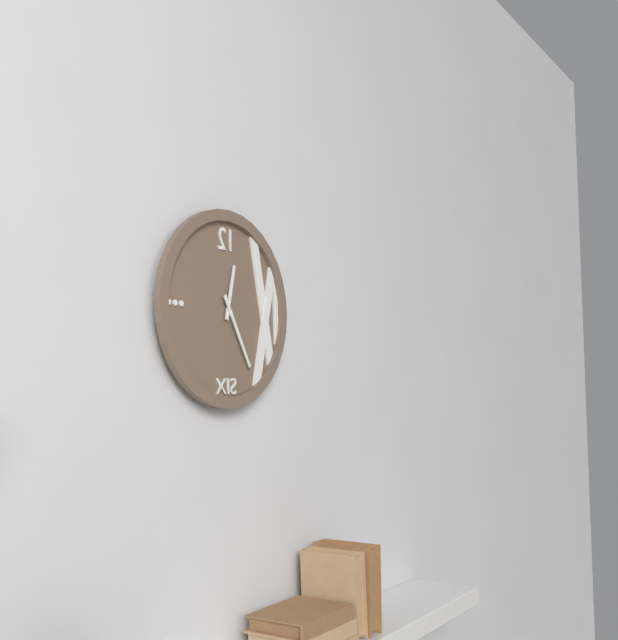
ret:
12:25
